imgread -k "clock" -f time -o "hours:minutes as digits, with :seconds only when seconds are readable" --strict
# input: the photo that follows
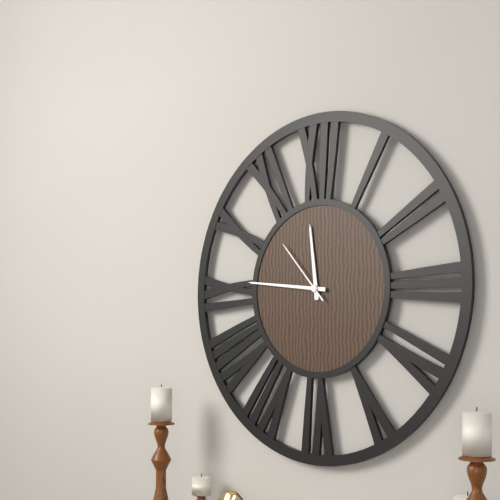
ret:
11:46:53
